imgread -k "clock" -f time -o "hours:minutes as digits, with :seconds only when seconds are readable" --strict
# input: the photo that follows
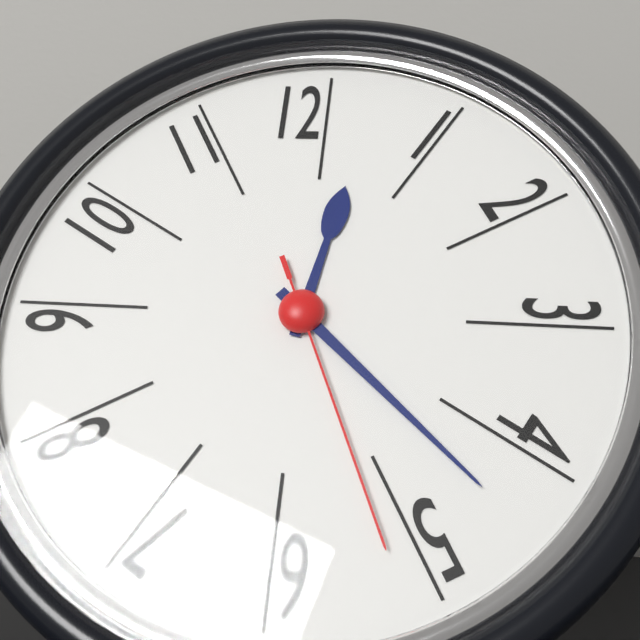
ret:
12:22:26
